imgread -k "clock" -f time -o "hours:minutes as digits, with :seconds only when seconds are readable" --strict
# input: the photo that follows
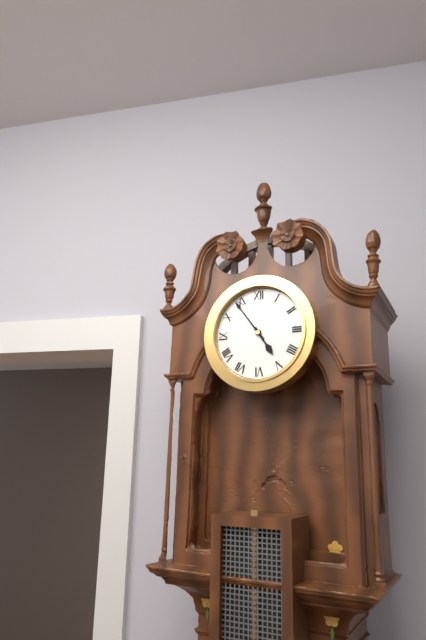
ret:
4:54
